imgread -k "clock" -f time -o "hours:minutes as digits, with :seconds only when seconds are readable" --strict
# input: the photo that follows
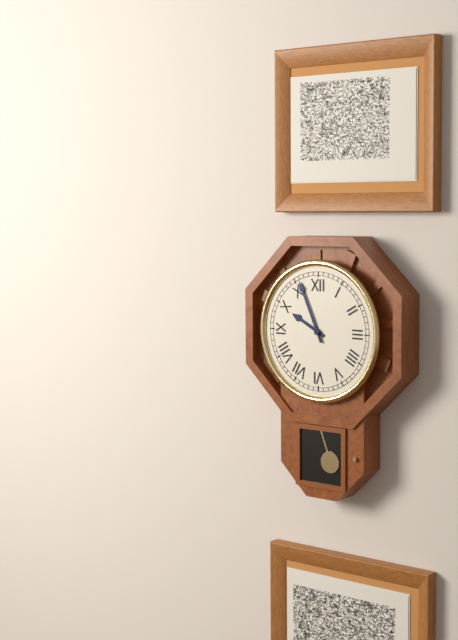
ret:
9:56
